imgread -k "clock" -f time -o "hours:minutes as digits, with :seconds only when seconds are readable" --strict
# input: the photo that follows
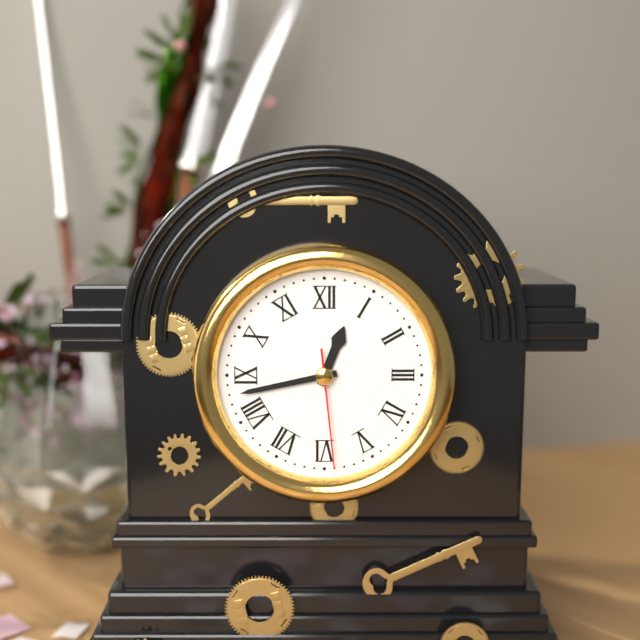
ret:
12:43:29
